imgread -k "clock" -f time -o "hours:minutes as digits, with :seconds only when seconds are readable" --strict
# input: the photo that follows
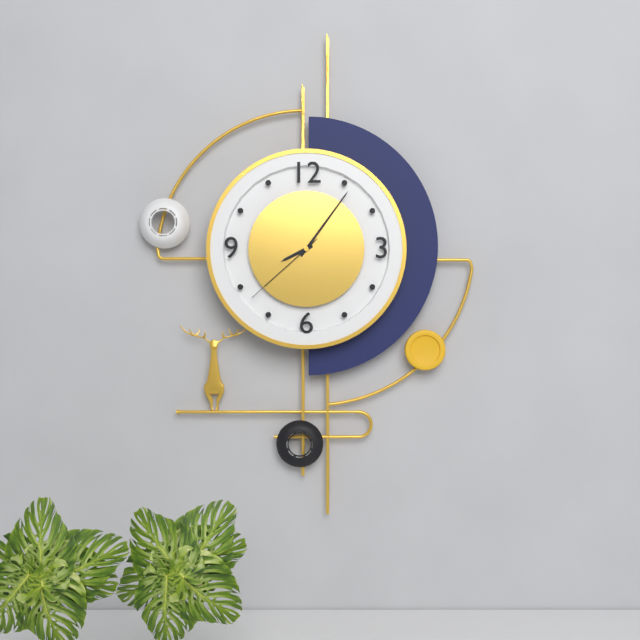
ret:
8:06:38
